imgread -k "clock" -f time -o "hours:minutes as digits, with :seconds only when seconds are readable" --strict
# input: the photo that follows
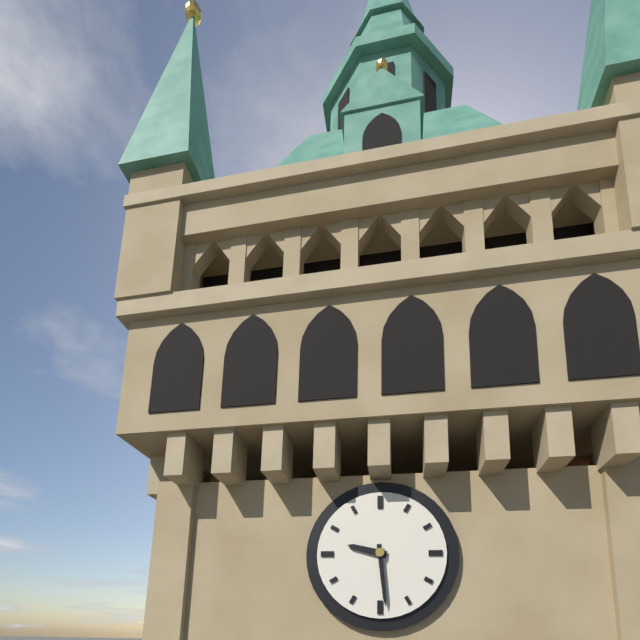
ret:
9:29
